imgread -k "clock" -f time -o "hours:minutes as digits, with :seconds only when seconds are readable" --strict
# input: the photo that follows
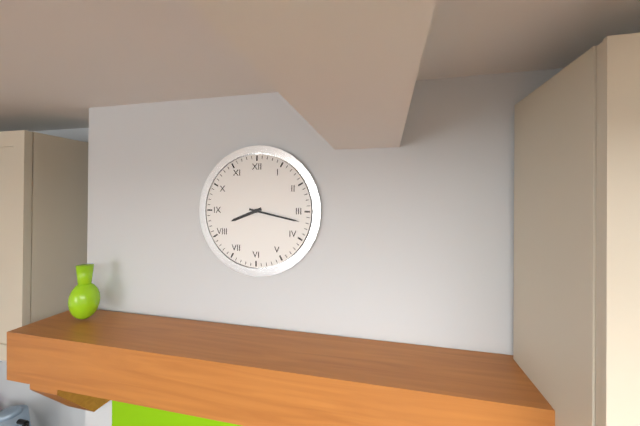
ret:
8:17
